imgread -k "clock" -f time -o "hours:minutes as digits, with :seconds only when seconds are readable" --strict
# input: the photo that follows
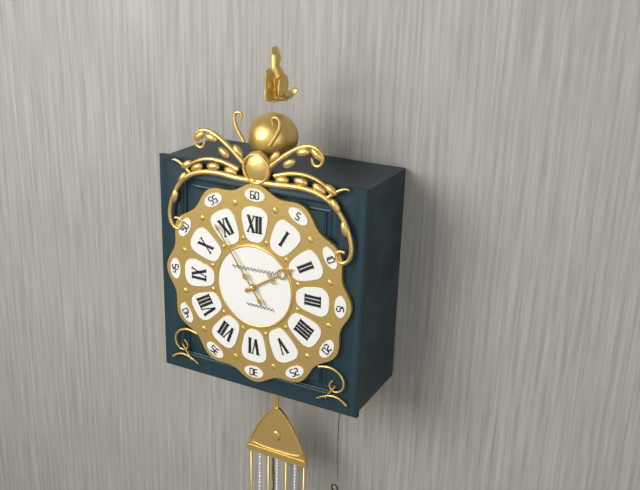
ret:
1:54
